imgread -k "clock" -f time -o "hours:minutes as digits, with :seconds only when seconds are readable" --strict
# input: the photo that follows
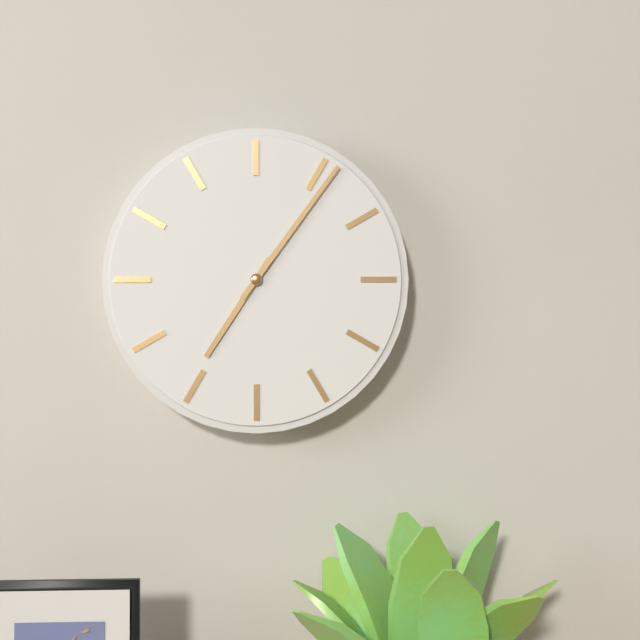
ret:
7:06
